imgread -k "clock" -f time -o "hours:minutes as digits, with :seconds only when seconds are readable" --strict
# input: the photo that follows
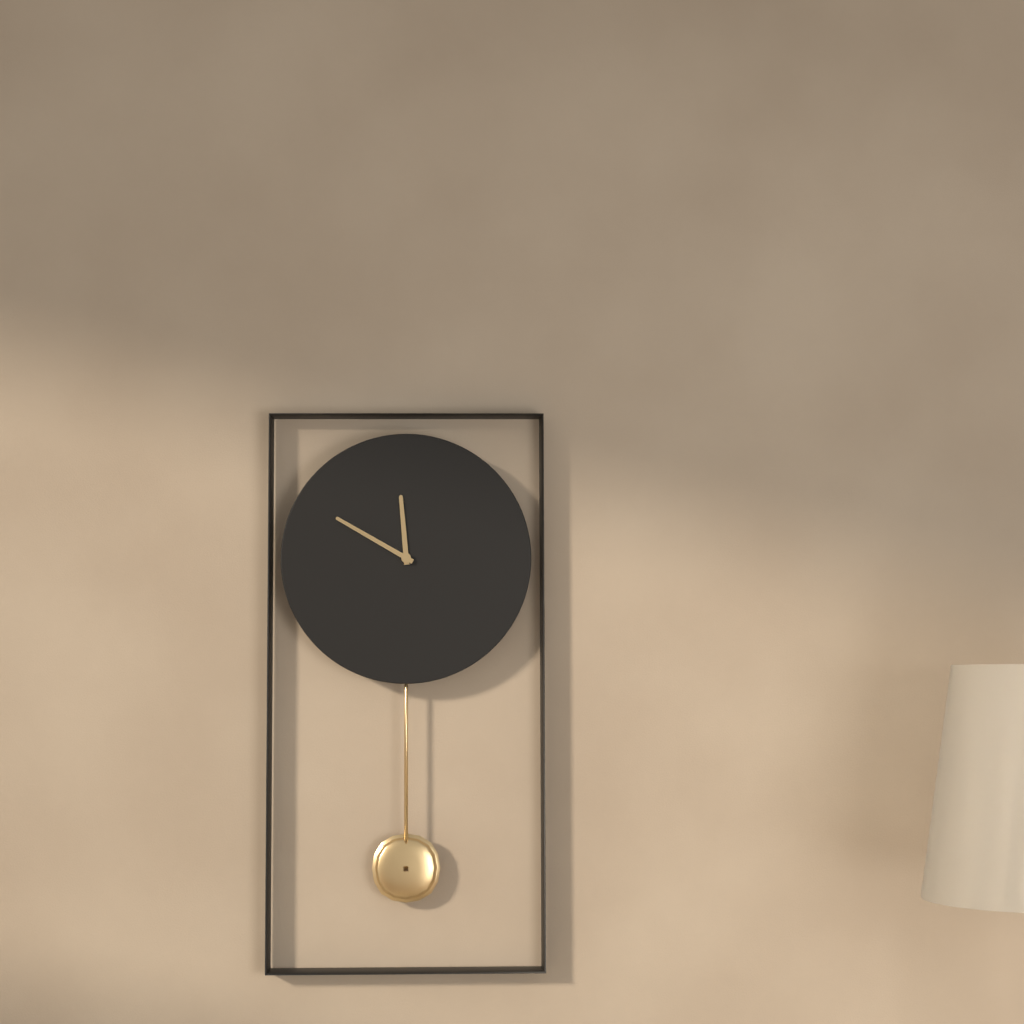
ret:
11:50
